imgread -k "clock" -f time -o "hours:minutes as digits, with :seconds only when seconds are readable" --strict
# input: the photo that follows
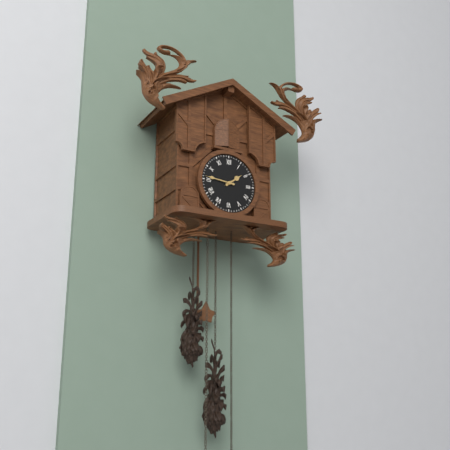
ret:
1:46
